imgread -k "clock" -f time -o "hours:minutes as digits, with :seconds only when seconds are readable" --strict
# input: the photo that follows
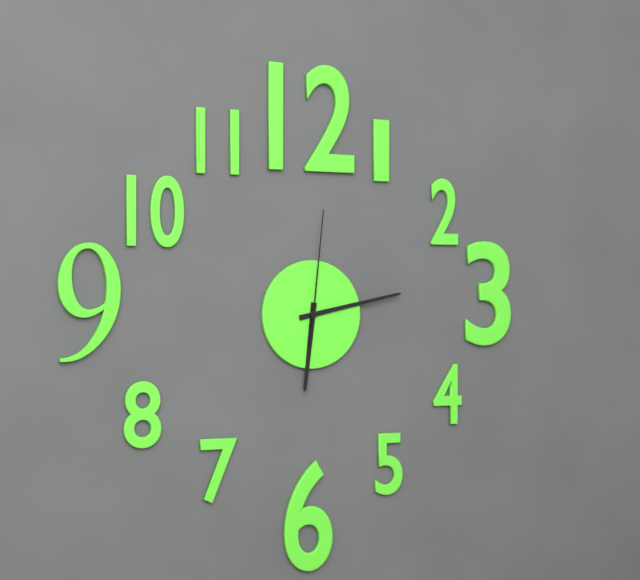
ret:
6:13:01
